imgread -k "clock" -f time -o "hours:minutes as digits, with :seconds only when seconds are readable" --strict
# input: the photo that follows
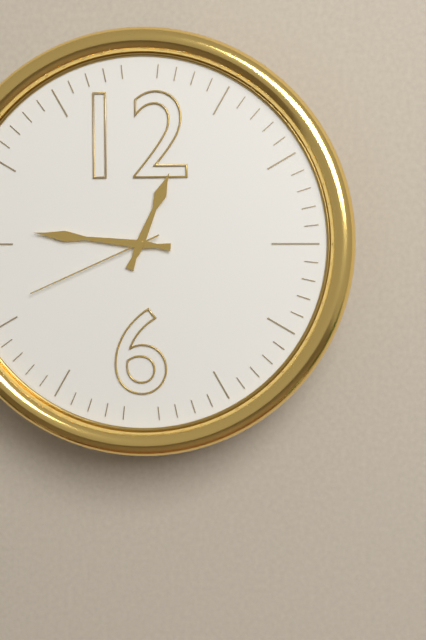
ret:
12:46:41
